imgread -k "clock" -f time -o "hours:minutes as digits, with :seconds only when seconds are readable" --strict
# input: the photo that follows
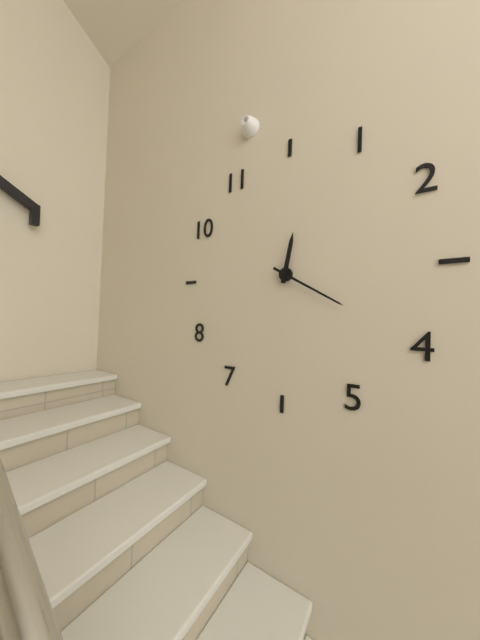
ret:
12:20
